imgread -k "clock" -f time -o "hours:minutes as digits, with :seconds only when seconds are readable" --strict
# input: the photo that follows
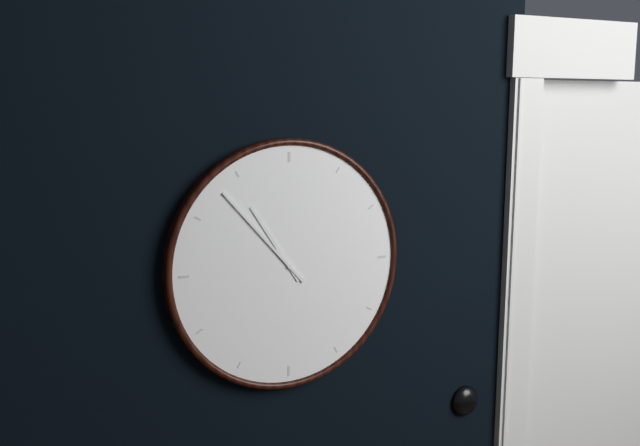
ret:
10:53
